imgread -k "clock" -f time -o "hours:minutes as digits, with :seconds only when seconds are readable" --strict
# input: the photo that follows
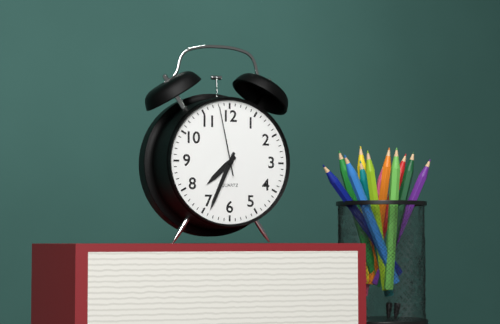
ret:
7:34:58
